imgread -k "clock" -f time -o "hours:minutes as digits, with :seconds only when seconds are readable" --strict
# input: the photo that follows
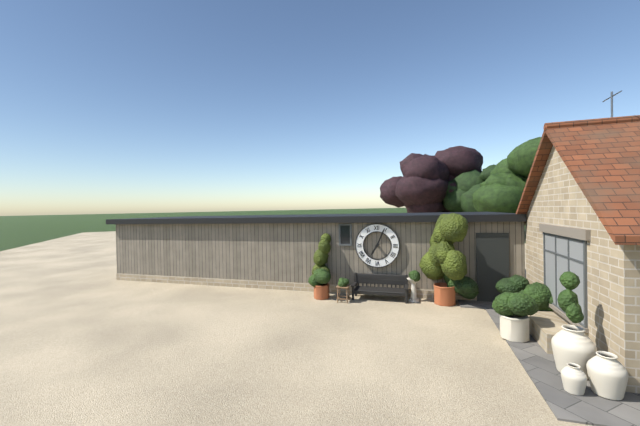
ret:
7:04
